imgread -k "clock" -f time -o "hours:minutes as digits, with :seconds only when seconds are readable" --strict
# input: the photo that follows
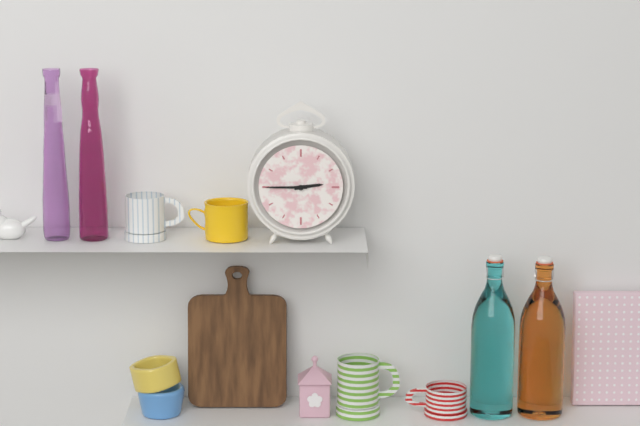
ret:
2:45
